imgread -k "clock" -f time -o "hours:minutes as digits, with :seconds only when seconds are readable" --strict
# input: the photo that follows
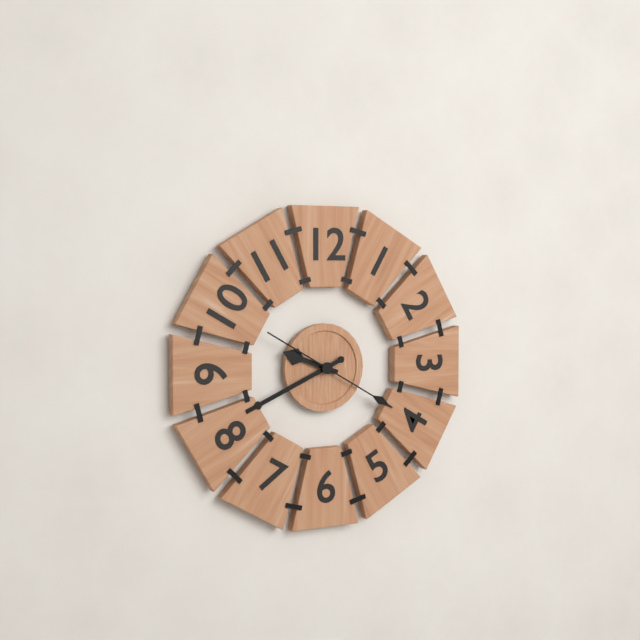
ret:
9:41:20
